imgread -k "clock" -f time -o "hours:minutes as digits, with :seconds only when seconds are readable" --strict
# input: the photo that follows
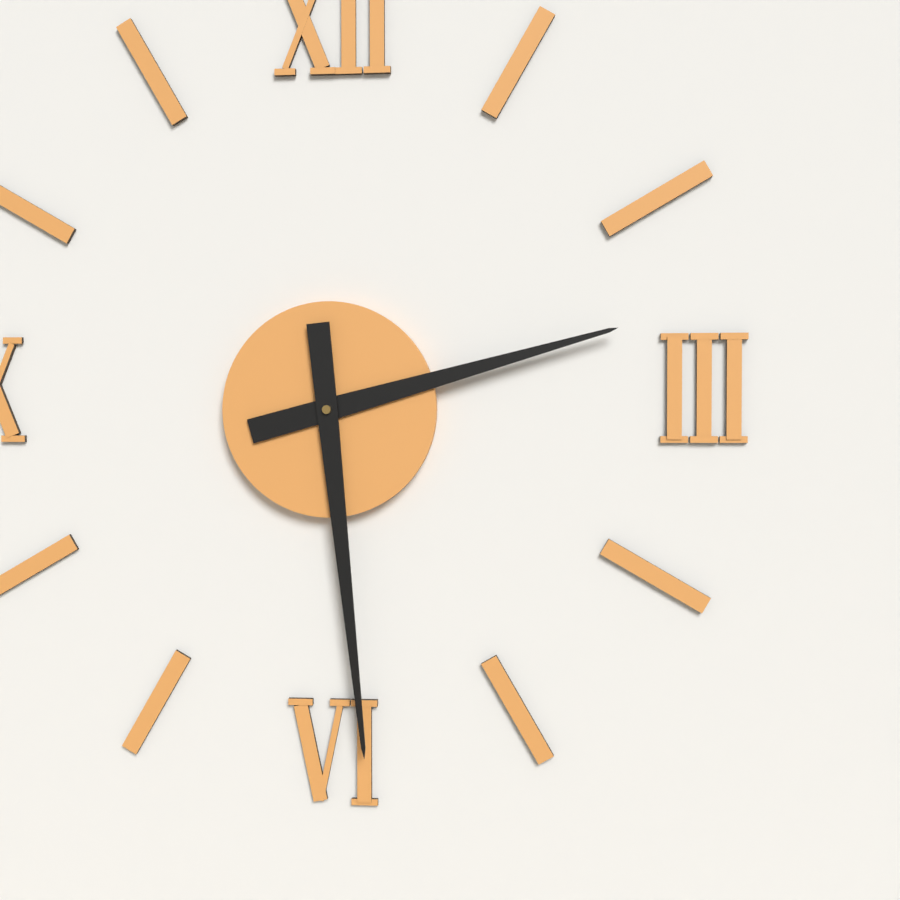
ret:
2:29
